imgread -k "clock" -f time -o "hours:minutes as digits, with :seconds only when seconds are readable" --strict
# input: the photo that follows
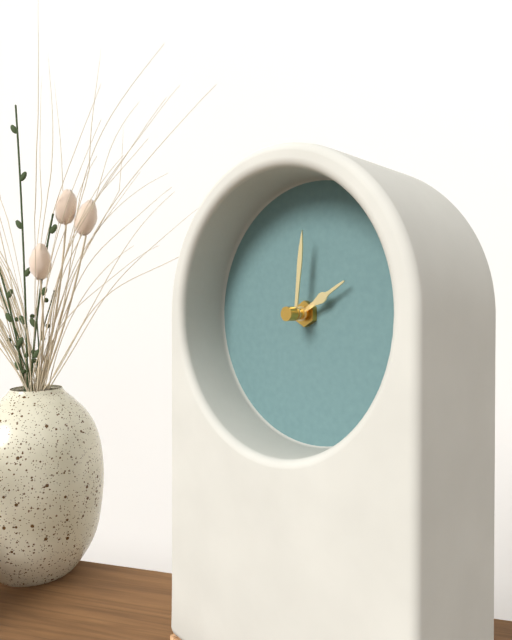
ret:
2:01
